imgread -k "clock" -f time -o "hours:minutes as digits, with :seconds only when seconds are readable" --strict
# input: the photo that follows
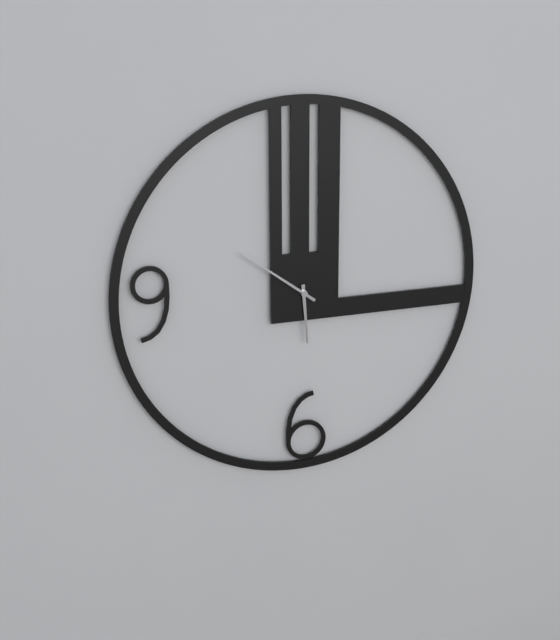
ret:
5:51
